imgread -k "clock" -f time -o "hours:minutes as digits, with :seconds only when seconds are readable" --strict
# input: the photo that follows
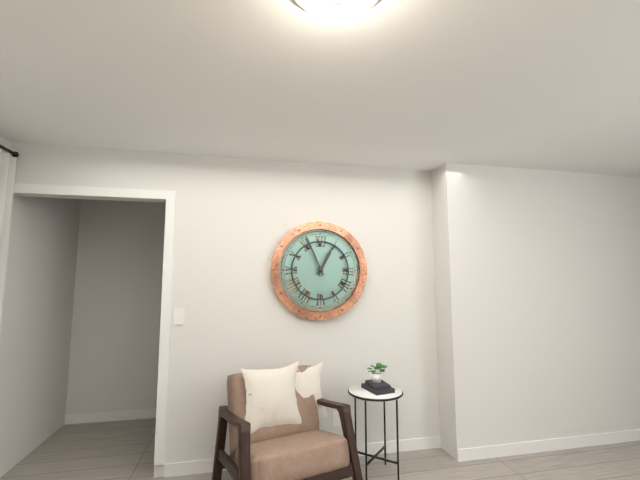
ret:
12:56
